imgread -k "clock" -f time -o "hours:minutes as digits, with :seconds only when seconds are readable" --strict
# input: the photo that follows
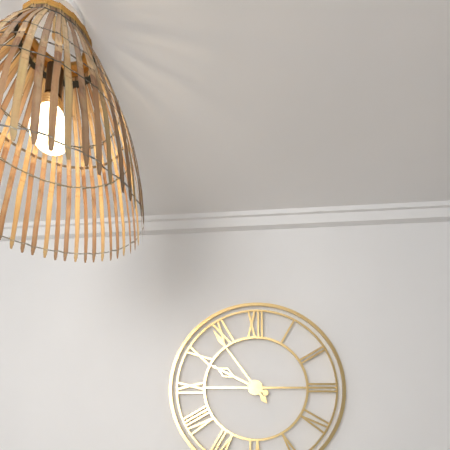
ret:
9:54
